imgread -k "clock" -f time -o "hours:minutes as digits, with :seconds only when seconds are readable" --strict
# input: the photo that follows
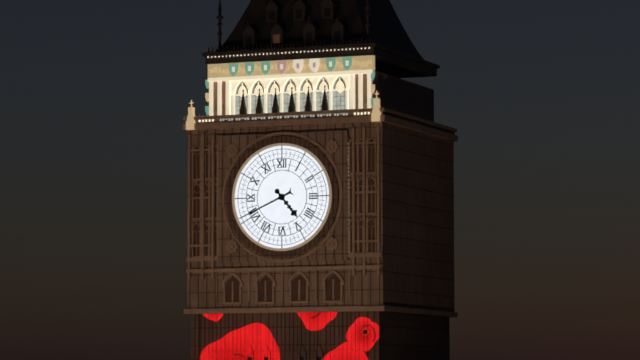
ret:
4:41
